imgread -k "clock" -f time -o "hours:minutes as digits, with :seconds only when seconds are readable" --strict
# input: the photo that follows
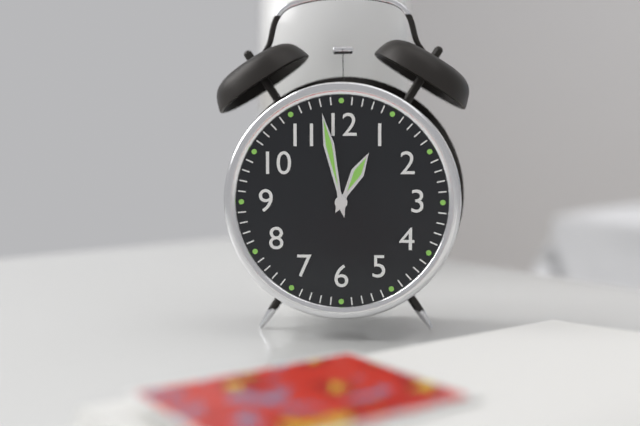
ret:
12:58
